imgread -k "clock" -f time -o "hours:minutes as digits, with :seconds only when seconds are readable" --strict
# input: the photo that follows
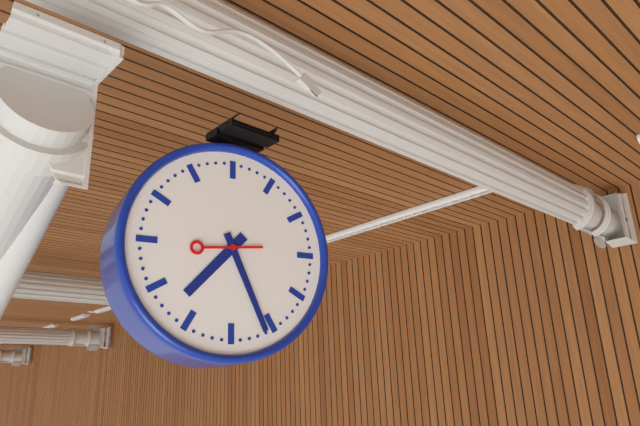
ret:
7:26:44
